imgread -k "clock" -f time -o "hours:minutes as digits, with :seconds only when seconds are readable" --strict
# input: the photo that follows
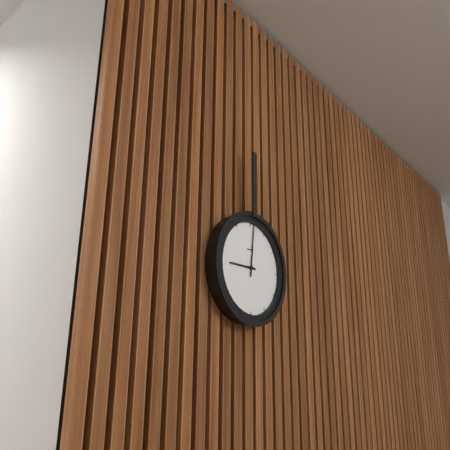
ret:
9:01
